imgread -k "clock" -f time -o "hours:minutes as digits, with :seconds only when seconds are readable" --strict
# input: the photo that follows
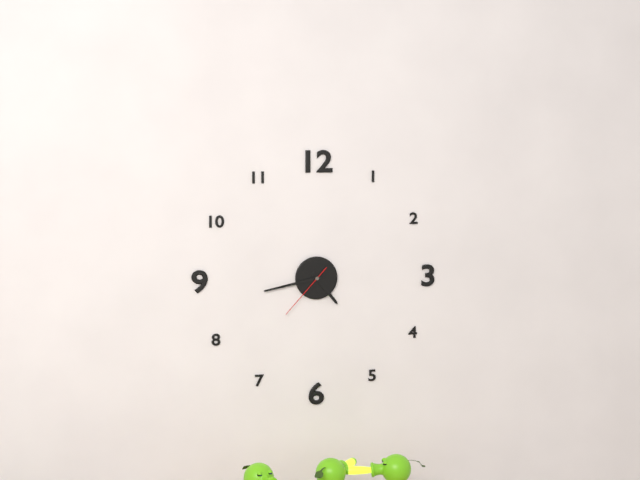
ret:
4:43:37
